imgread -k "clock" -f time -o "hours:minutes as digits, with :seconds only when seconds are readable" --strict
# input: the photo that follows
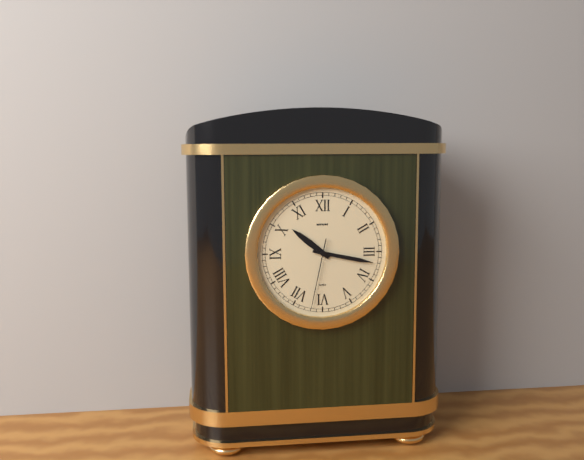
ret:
10:17:32
